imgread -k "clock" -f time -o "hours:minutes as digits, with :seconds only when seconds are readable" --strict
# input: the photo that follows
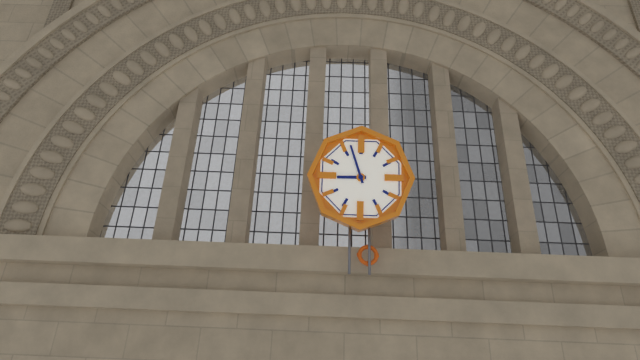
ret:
8:57
